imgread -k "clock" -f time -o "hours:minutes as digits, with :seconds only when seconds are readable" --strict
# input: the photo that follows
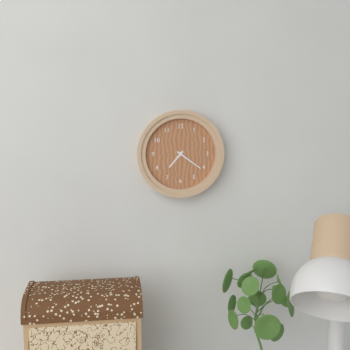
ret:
7:21
